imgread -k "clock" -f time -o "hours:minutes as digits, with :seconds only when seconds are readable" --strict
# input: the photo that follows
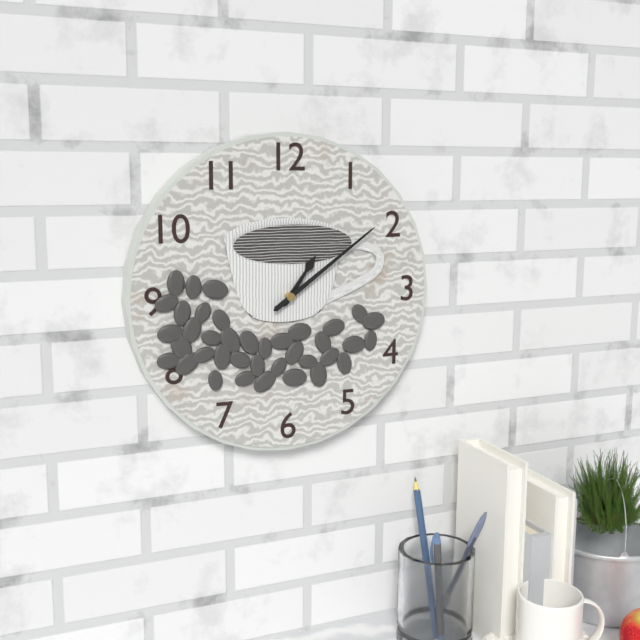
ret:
1:09
